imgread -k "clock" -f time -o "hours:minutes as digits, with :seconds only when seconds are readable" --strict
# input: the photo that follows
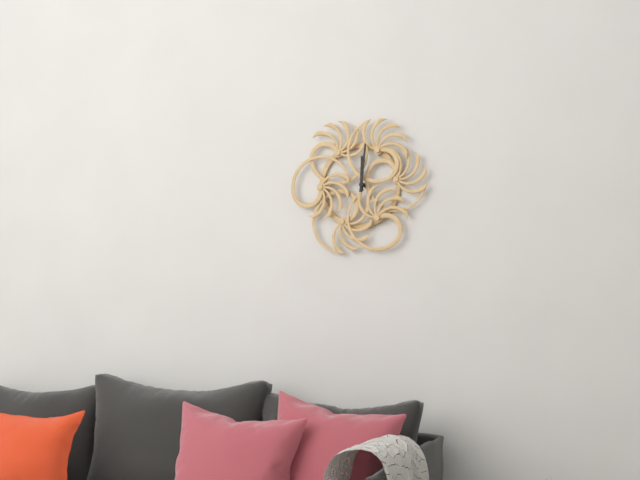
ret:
12:01
